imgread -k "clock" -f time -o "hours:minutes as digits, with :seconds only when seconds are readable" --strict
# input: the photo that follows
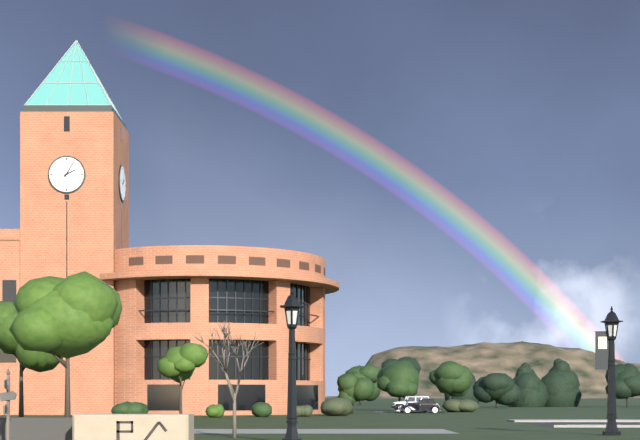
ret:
2:05
